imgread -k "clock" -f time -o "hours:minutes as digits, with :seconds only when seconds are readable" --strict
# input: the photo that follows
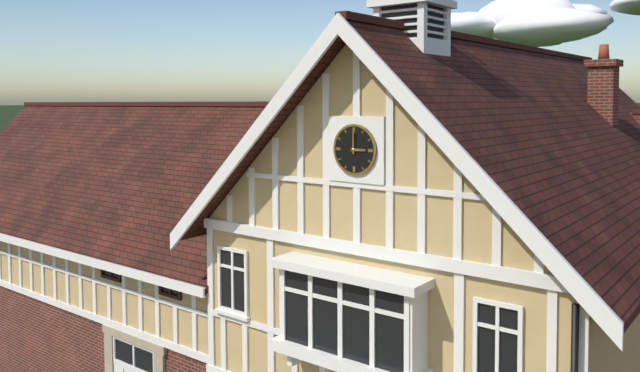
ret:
3:00
